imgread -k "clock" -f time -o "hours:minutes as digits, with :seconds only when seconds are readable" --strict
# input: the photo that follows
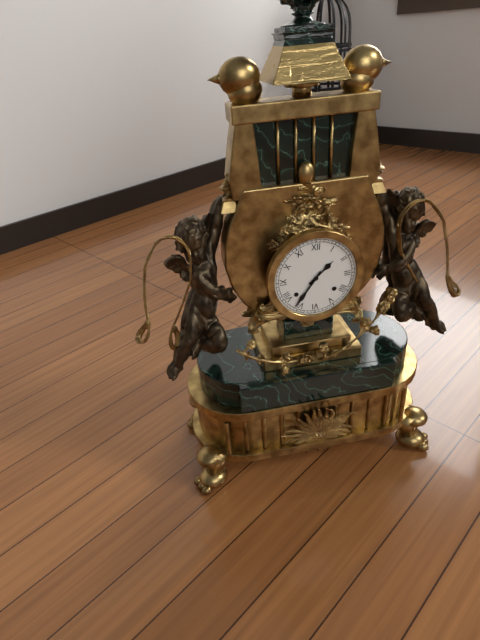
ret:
1:36
